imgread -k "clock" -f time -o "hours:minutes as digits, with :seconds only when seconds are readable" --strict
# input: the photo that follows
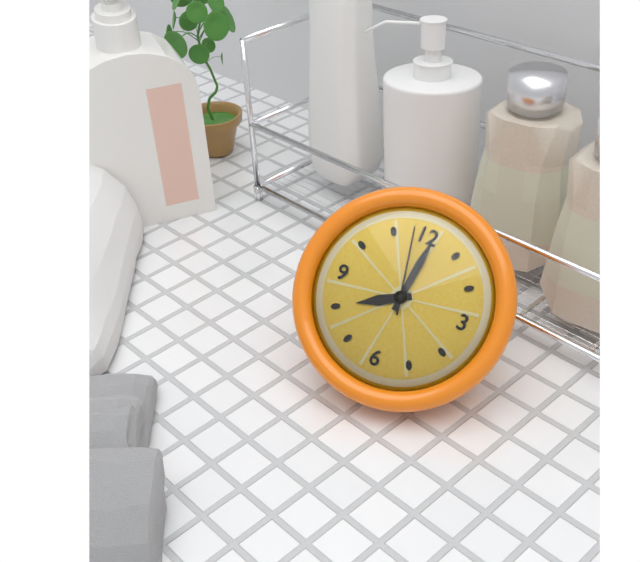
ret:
8:01:58
